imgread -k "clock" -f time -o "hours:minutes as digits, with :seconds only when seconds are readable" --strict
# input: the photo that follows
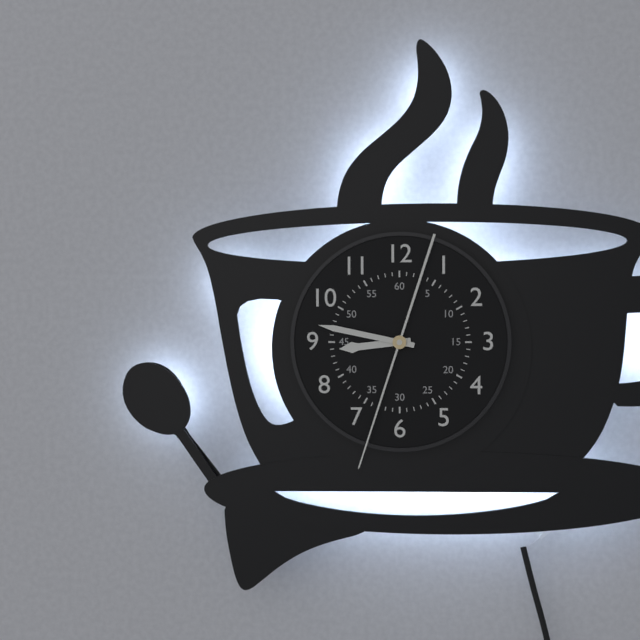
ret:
8:47:33
